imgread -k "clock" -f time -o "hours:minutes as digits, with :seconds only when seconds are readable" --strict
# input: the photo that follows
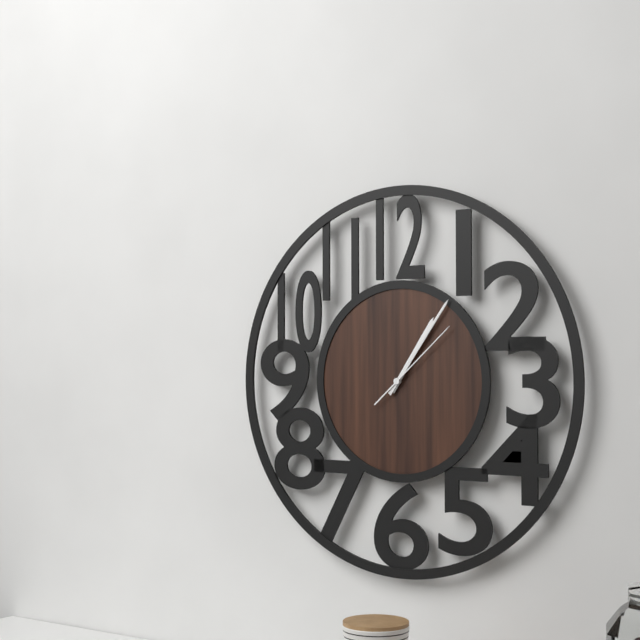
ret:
1:06:08
